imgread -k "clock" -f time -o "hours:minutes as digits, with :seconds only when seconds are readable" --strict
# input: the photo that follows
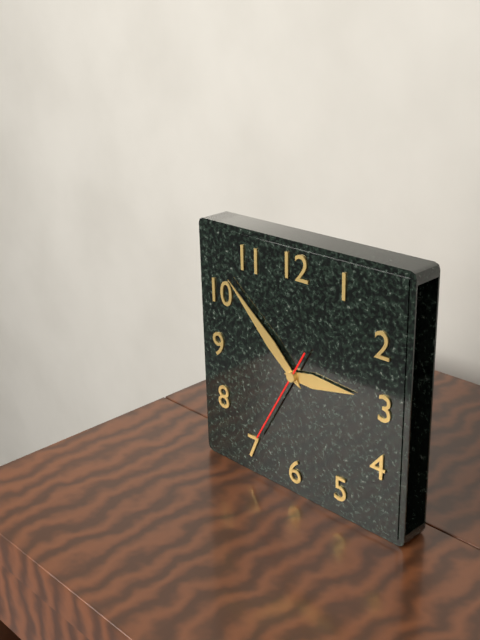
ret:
2:52:35
